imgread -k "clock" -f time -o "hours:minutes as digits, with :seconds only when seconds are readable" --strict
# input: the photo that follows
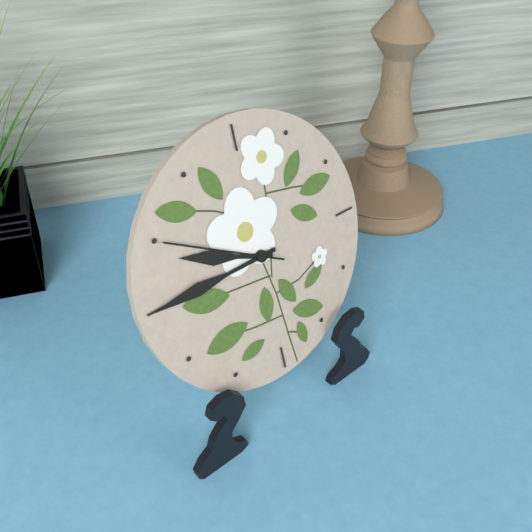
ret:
9:45:50
